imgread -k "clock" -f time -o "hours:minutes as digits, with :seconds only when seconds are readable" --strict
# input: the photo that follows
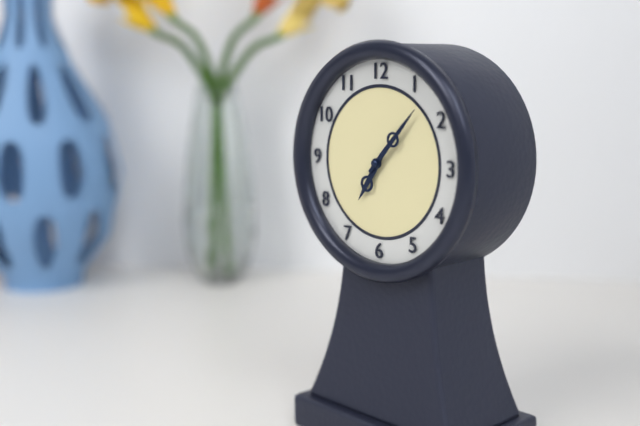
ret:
7:07
